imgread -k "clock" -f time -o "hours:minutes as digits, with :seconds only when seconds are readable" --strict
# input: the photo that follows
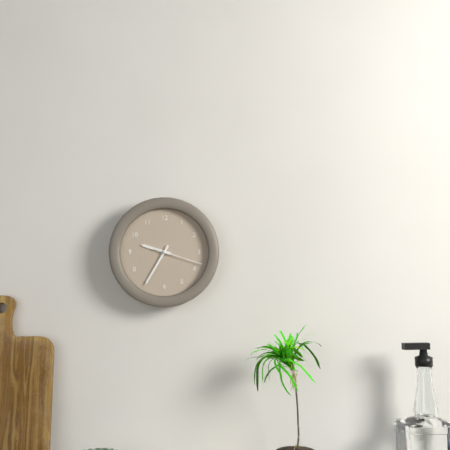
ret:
9:35
